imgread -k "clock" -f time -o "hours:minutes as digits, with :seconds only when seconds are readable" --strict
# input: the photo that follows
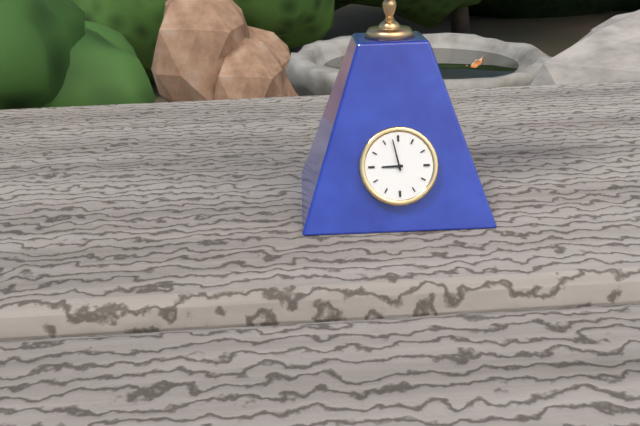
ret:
8:58
